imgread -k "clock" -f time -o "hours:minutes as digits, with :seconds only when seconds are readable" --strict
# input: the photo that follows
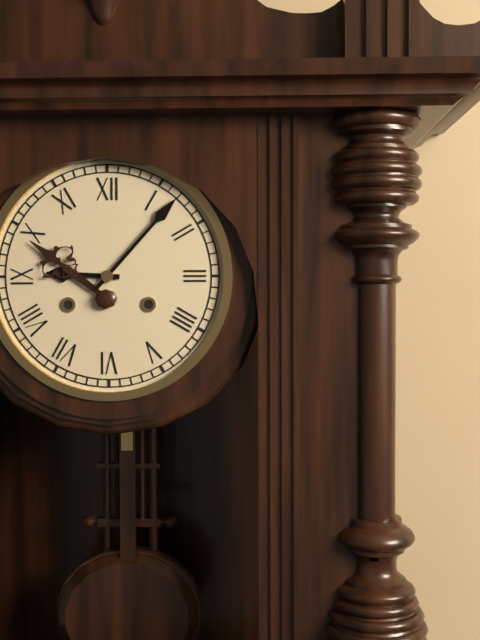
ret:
9:07
